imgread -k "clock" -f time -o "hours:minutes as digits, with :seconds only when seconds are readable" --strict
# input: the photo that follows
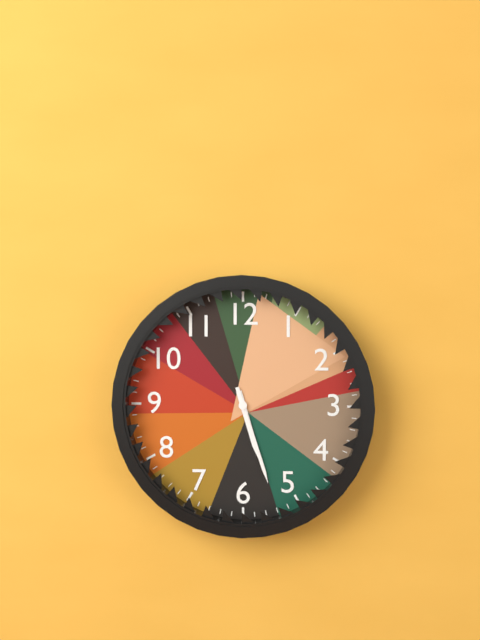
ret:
5:27
